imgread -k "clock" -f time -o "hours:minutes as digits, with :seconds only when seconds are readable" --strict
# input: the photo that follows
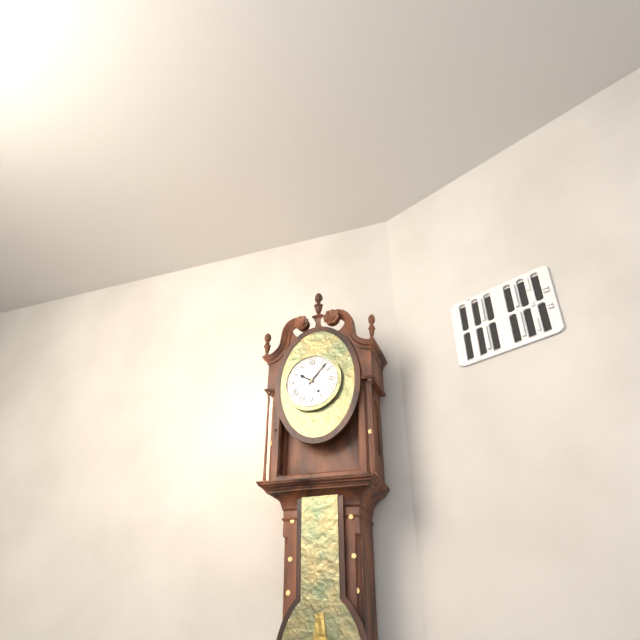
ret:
10:07
